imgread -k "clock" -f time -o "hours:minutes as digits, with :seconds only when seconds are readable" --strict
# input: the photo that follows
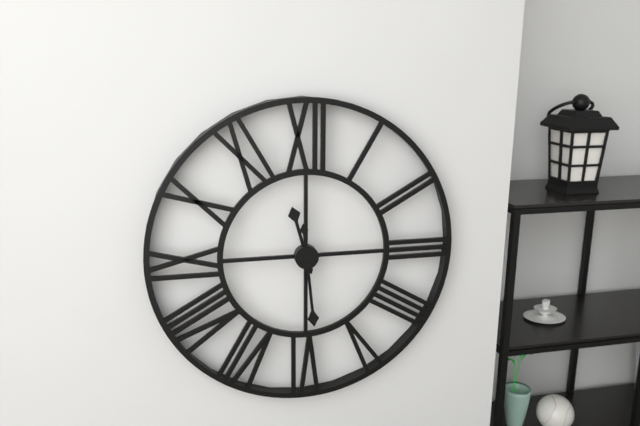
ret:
11:29
